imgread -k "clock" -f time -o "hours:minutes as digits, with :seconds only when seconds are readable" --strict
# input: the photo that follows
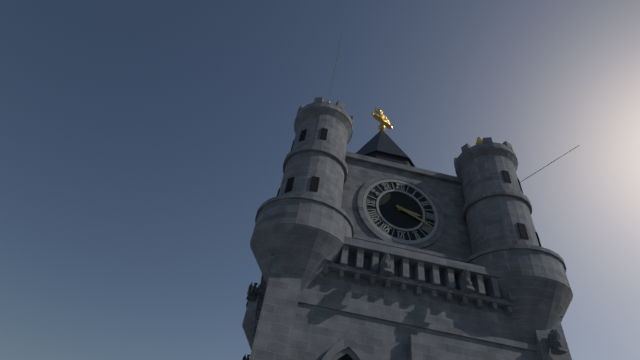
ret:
3:19
